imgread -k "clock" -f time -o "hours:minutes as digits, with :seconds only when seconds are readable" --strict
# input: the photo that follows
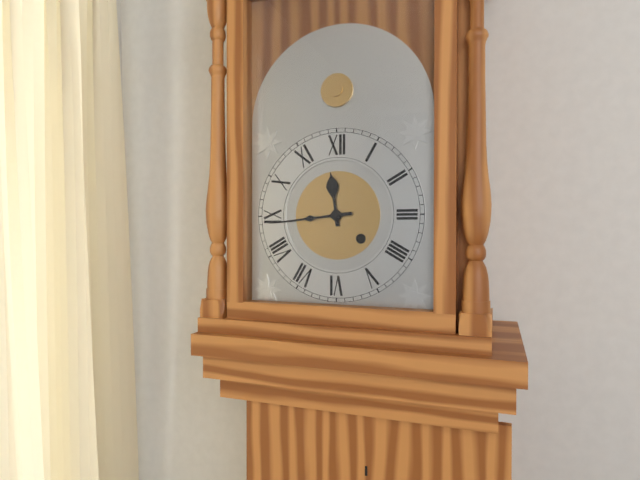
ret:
11:44
